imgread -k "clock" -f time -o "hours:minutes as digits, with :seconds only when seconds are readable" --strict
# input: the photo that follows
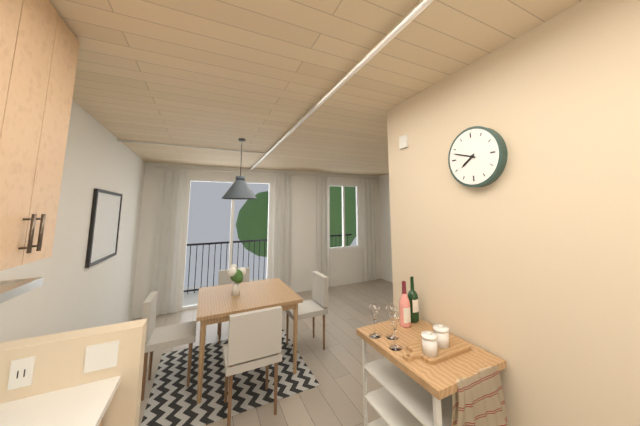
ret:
7:48
